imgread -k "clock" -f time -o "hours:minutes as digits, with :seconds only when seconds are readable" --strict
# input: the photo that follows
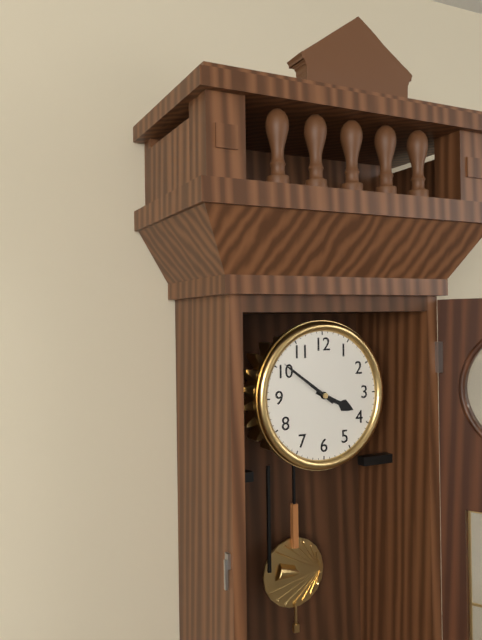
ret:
3:51
